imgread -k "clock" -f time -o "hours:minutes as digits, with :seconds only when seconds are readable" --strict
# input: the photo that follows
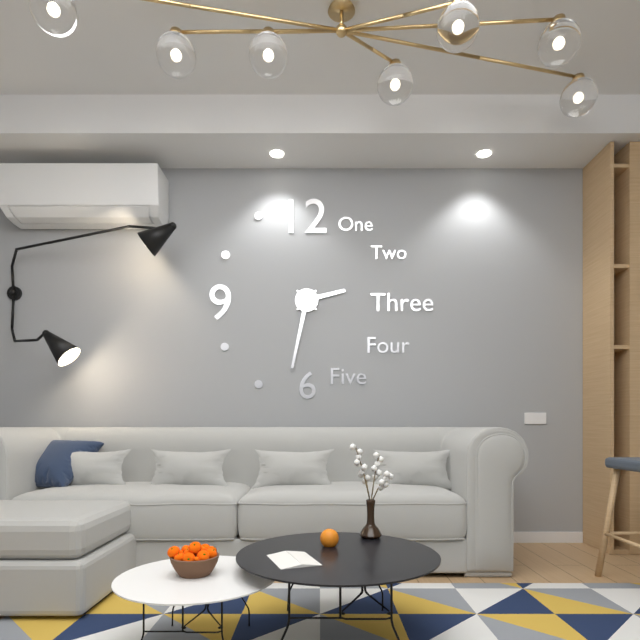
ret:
2:32
